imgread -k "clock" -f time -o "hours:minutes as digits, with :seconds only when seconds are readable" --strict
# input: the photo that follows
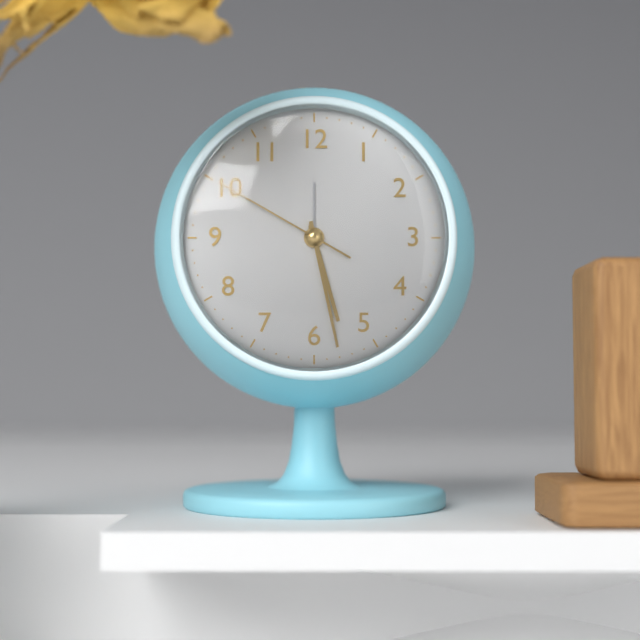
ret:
5:28:50
